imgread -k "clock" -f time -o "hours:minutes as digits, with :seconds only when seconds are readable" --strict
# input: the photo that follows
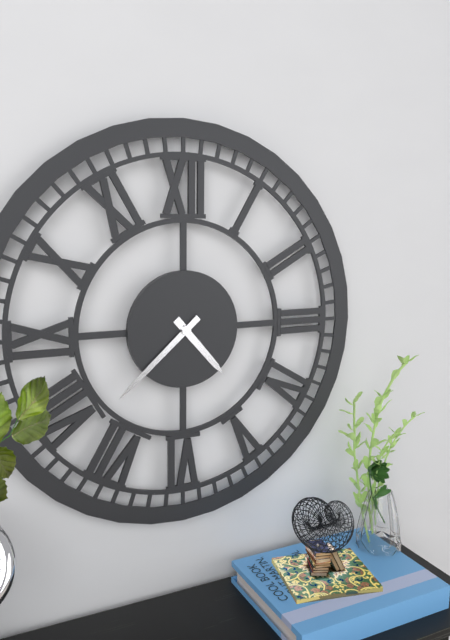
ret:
4:38
